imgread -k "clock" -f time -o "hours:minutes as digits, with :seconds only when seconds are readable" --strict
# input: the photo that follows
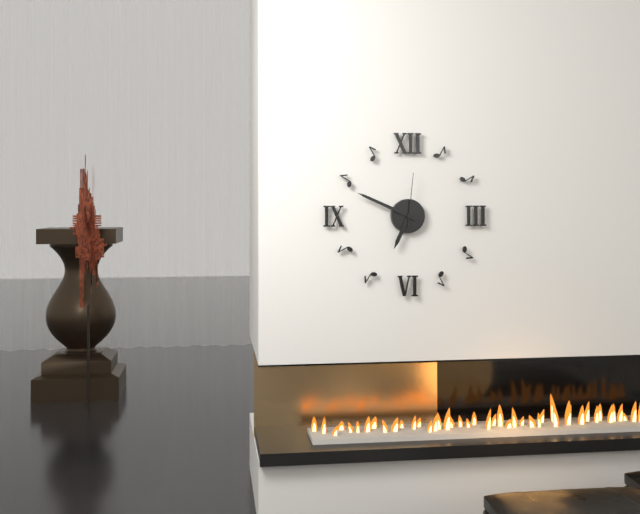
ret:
6:49:01
